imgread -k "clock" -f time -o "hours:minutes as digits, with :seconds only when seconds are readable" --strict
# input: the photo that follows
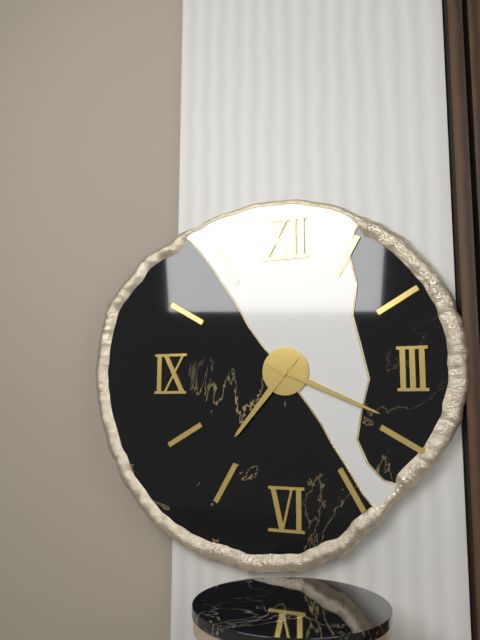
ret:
7:19
